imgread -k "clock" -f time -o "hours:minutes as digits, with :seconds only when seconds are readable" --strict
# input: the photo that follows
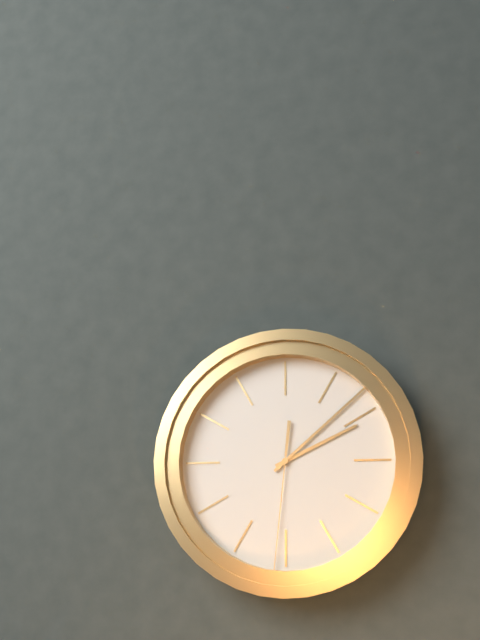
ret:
2:08:31
